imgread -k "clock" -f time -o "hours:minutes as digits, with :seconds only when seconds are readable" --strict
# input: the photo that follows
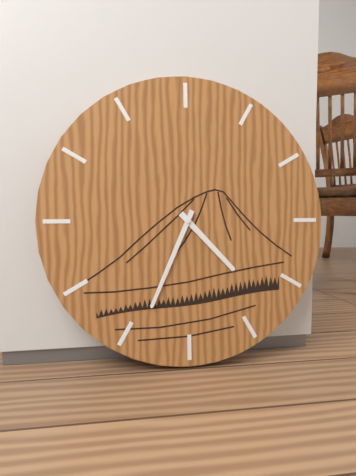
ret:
4:34
